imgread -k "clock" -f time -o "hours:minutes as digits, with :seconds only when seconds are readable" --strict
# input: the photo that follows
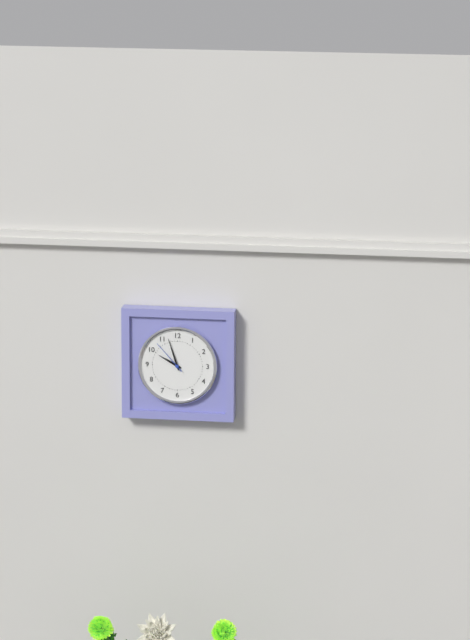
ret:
9:57
